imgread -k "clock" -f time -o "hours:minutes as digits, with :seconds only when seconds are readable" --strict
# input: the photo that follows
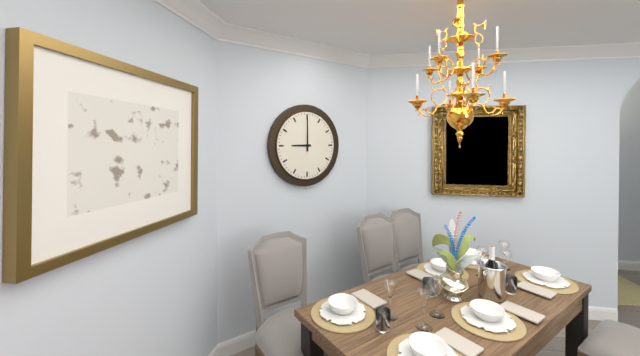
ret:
9:00
